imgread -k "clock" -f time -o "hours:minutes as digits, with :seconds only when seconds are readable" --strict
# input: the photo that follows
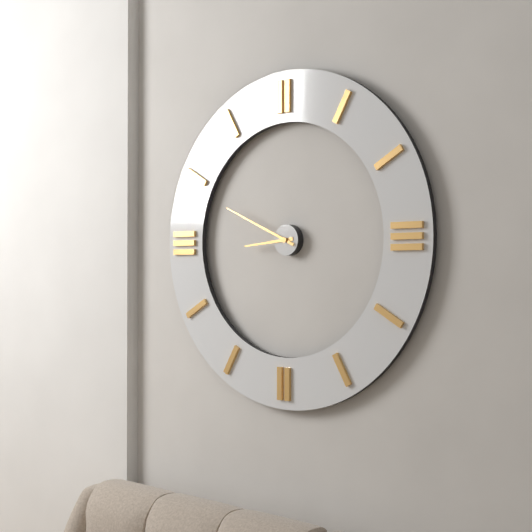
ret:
8:49
